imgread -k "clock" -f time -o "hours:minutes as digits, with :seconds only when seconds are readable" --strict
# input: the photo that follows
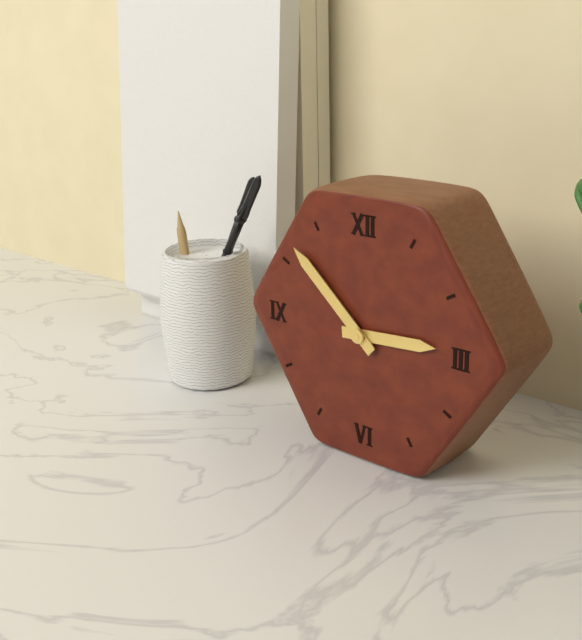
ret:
2:52
